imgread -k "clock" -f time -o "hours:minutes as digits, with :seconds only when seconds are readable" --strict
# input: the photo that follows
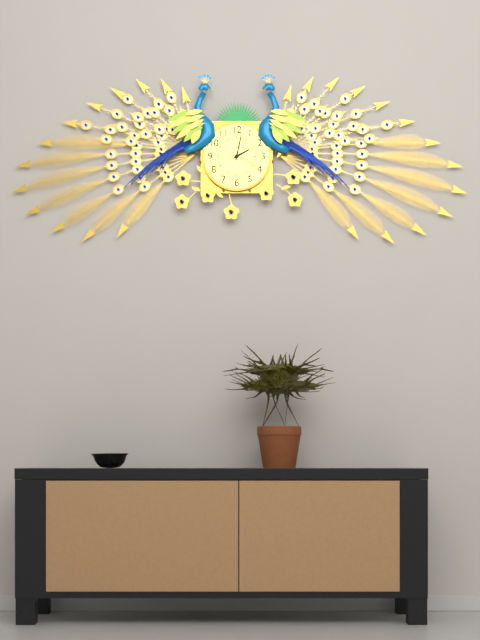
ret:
2:02
